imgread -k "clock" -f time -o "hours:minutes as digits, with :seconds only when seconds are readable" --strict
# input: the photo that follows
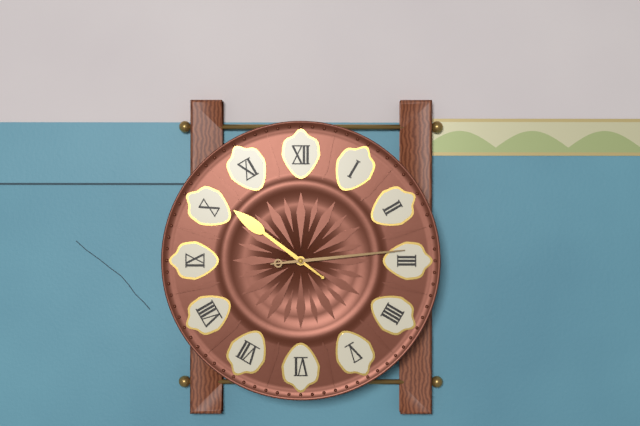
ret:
10:14
